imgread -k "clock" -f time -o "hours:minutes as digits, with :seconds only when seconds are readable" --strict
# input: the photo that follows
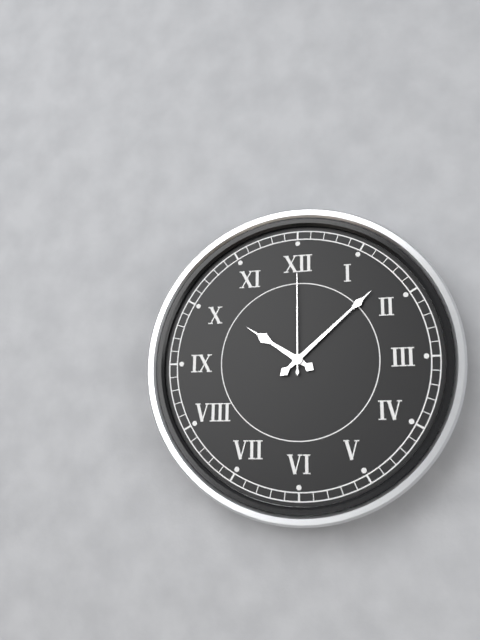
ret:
10:08:00
